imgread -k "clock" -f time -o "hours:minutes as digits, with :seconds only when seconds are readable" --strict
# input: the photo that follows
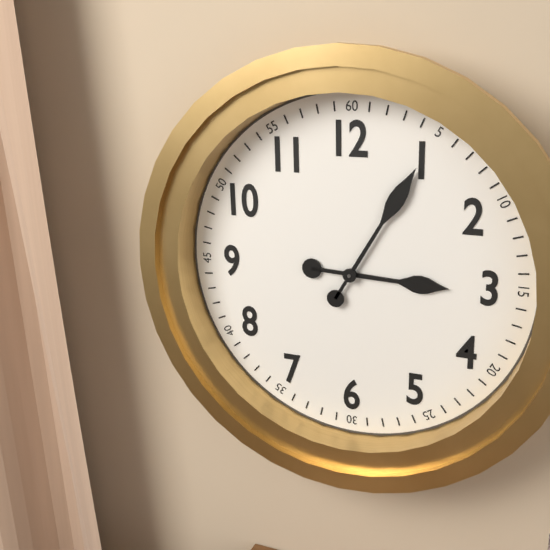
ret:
3:05
